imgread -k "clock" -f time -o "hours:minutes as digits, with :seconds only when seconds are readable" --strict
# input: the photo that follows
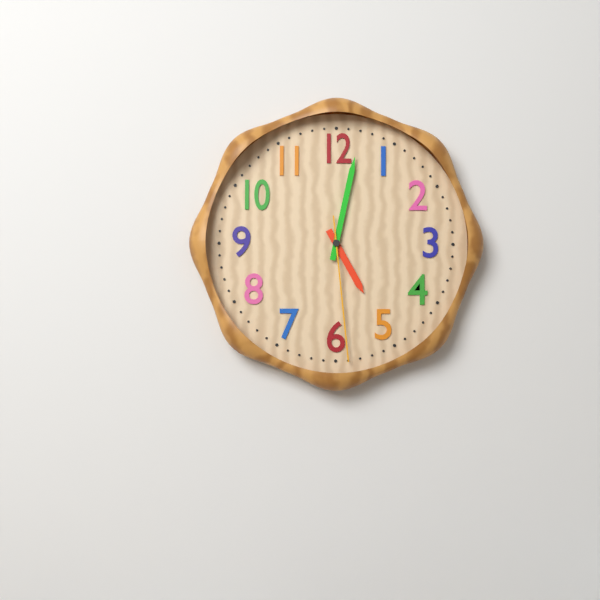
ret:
5:02:29
